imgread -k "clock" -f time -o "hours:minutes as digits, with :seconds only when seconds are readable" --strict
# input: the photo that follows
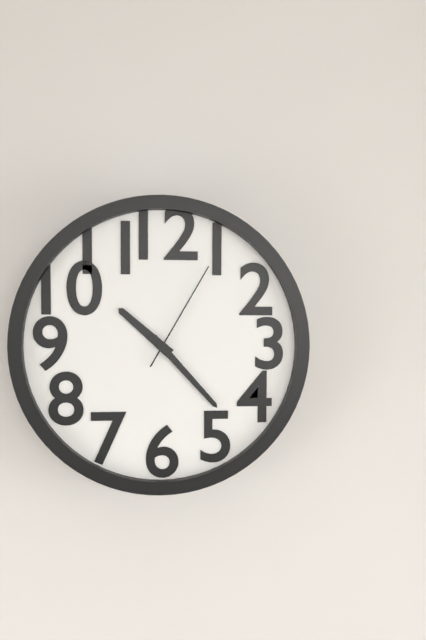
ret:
10:23:05
